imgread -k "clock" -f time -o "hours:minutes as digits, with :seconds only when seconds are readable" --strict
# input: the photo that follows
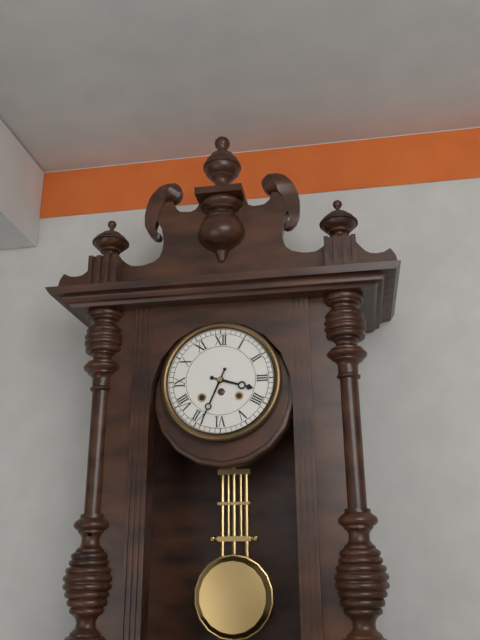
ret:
3:34
